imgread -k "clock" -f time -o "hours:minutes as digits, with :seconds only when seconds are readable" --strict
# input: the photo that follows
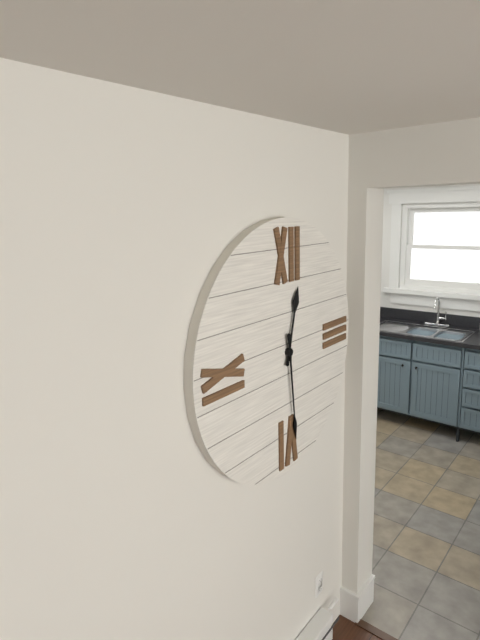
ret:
12:29
